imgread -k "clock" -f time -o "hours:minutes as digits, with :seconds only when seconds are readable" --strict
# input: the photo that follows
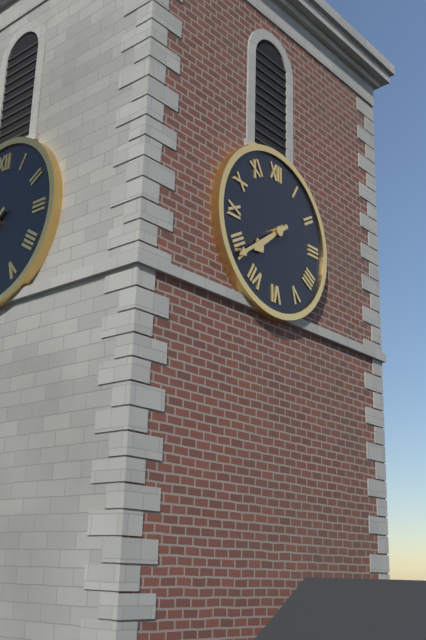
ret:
7:39
